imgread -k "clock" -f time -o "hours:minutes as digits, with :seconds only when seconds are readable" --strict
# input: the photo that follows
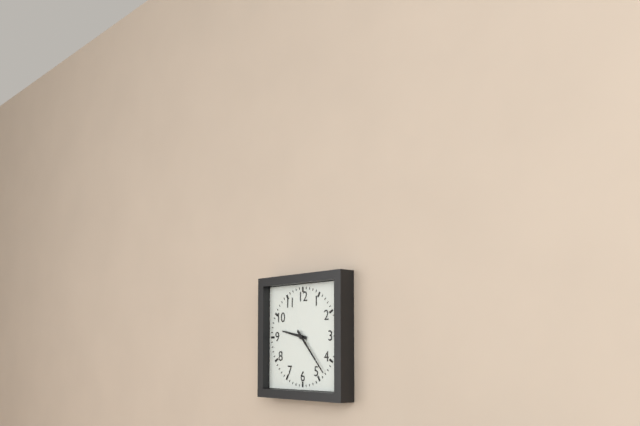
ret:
9:23
